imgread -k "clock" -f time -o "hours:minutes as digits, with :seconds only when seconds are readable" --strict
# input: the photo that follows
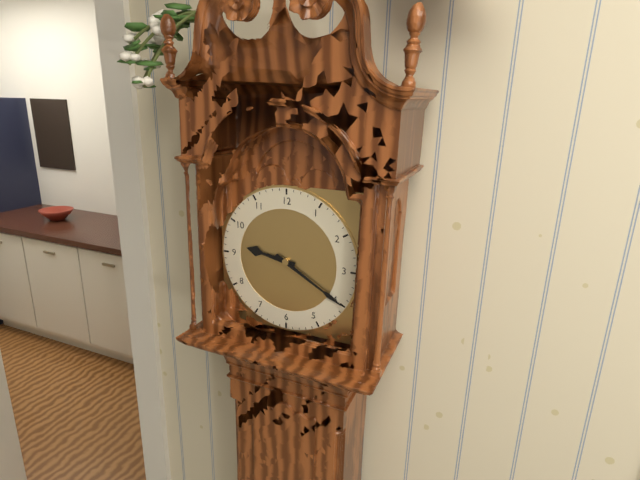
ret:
9:20
